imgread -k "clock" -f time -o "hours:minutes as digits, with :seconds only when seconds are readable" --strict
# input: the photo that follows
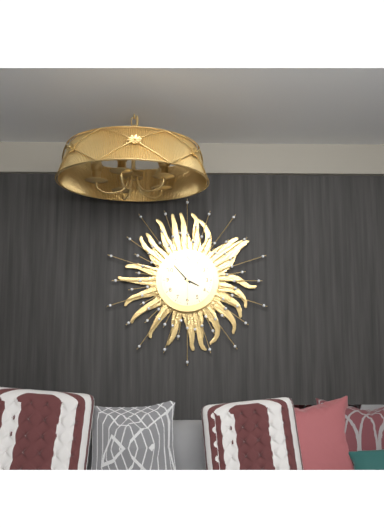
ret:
3:53
